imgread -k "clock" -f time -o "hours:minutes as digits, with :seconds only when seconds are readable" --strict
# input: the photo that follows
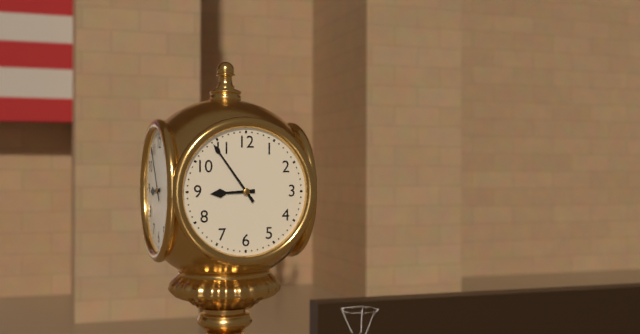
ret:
8:54
